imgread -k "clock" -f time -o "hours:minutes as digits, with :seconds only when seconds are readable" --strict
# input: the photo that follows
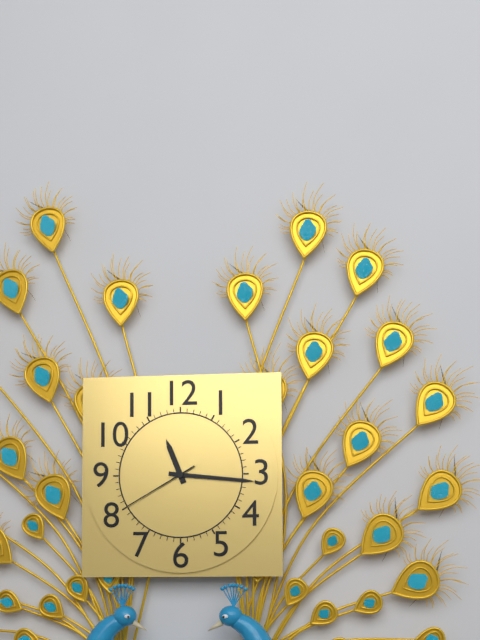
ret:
11:16:40
